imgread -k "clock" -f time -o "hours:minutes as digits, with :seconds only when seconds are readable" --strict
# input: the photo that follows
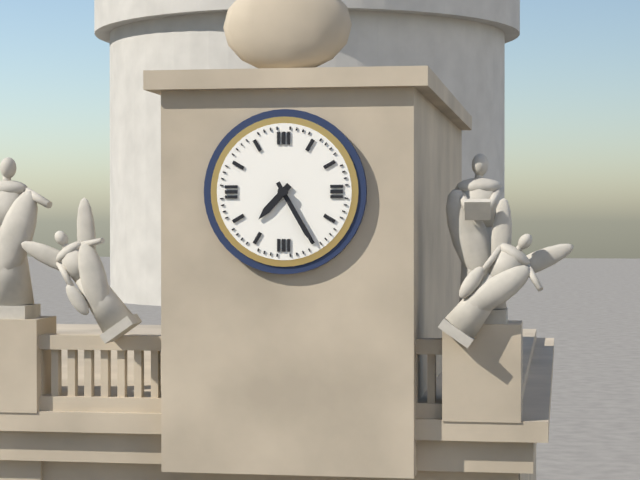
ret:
7:25
